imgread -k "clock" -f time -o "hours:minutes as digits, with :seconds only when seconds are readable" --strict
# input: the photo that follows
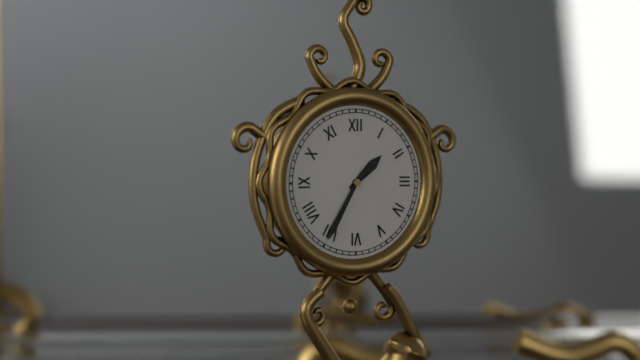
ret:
1:35
